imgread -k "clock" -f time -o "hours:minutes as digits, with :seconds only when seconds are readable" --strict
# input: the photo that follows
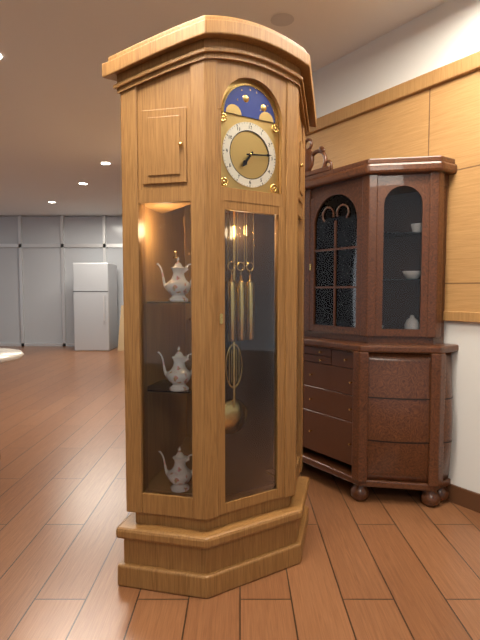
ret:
7:14
